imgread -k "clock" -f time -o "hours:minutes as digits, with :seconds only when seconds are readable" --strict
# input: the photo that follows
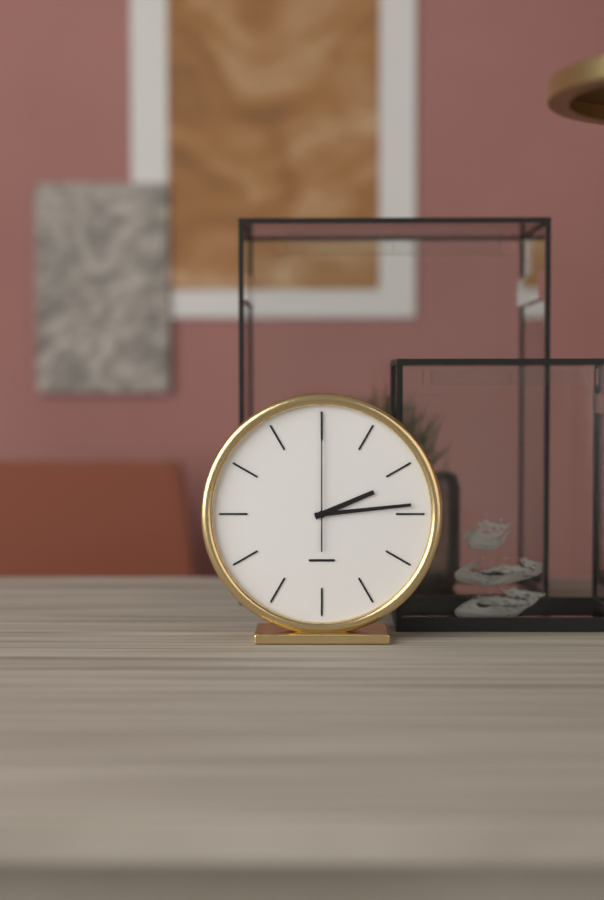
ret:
2:14:00
